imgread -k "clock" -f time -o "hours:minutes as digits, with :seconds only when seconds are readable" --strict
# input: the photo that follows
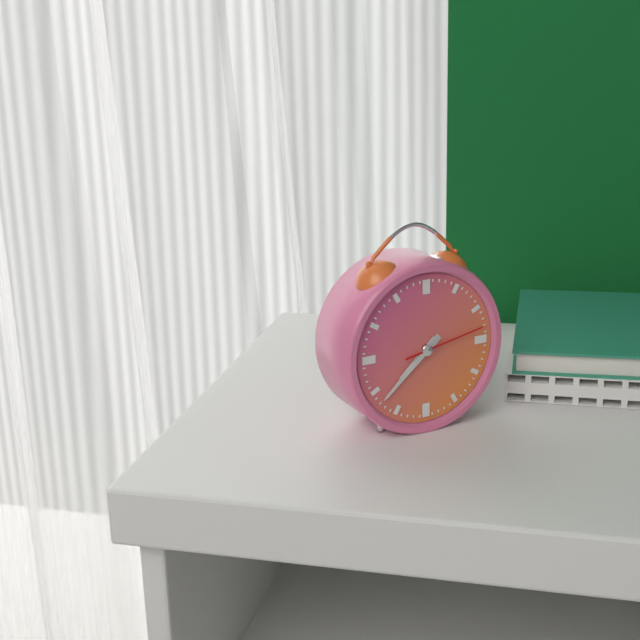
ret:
7:38:13
